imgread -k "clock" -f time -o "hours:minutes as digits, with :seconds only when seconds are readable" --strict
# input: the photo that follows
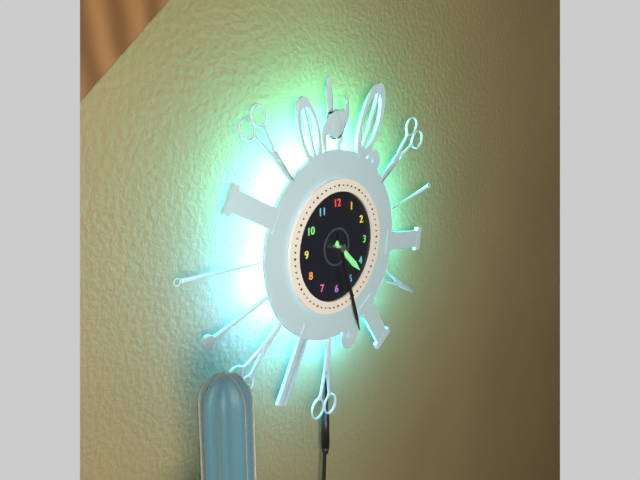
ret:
4:27
